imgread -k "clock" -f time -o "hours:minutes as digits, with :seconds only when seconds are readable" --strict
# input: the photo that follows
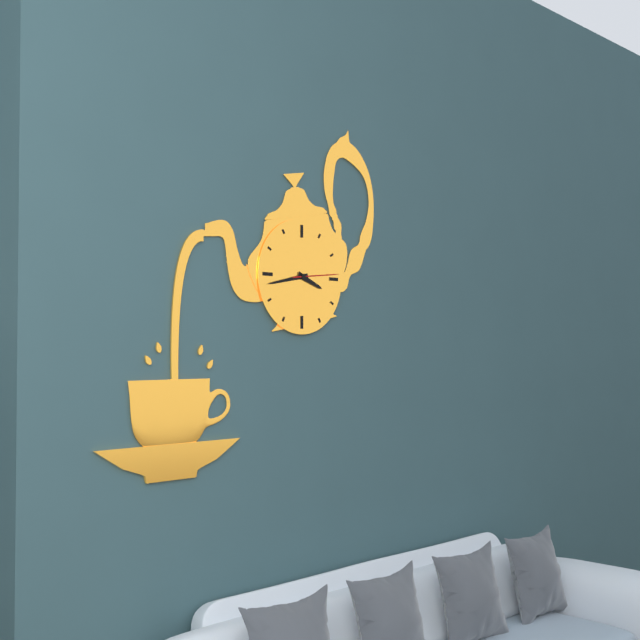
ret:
3:43
